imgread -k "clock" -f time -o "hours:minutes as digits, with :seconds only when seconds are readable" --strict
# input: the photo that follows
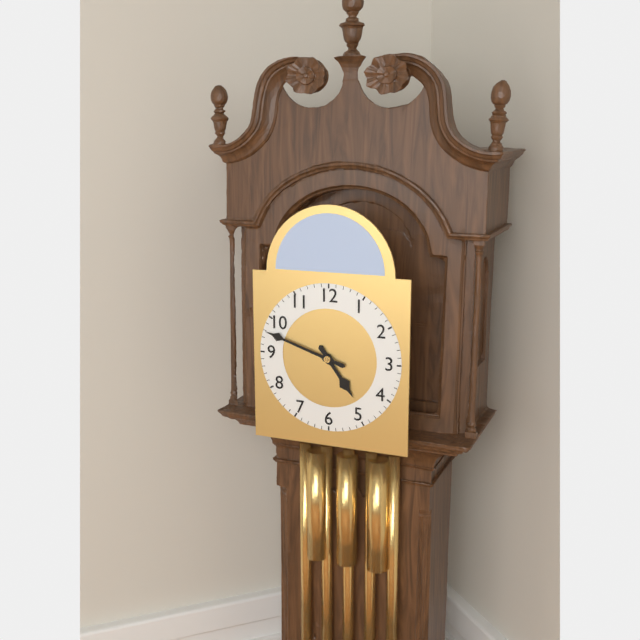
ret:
4:48
